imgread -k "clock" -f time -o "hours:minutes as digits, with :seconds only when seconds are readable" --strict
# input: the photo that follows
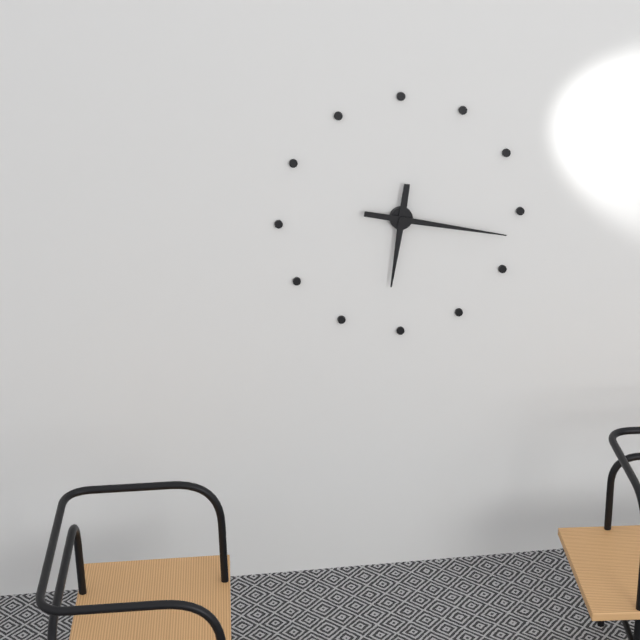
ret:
6:17
